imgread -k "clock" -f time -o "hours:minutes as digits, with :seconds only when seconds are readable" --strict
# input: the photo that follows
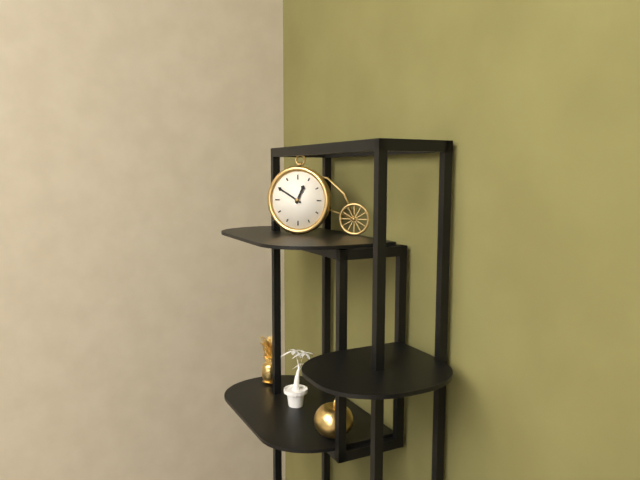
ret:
12:50
